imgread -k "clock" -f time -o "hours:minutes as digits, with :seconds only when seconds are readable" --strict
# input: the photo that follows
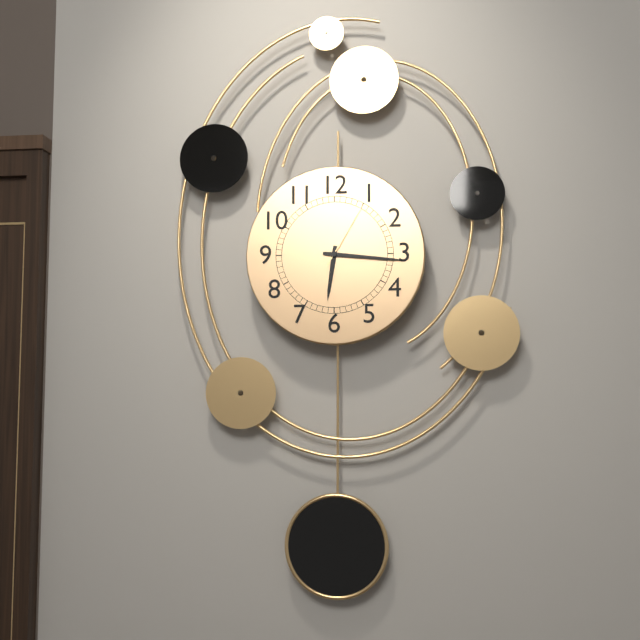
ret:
6:16:05
